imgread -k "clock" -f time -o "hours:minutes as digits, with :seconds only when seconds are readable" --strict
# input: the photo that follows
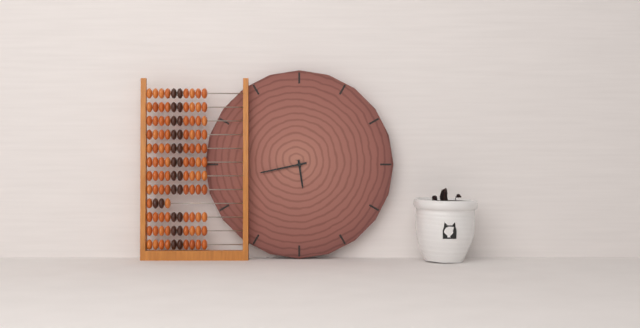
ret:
5:43
